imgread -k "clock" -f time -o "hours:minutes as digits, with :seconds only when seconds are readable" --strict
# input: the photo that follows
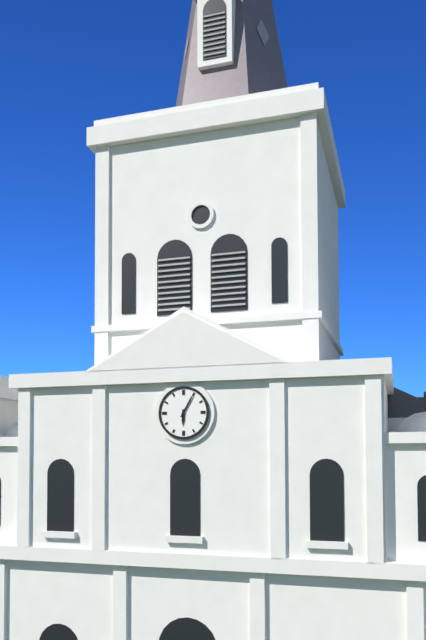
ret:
6:05
